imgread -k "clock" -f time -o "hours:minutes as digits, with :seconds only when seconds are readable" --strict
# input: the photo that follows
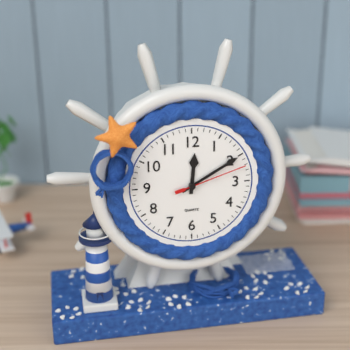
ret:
12:10:12
